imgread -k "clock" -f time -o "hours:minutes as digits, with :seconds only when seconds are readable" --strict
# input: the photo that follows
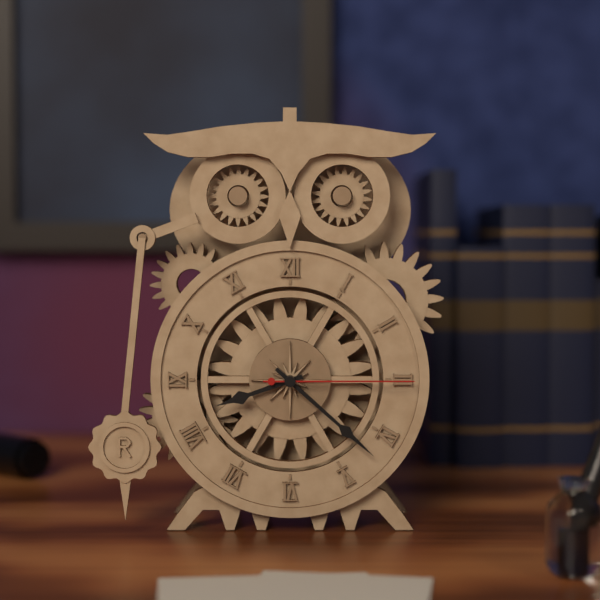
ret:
8:22:15
